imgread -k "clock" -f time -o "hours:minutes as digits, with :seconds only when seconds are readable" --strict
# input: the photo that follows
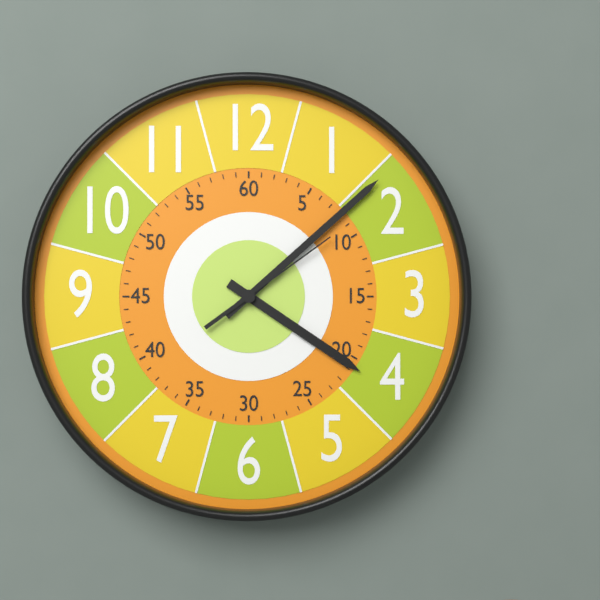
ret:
4:08:09
